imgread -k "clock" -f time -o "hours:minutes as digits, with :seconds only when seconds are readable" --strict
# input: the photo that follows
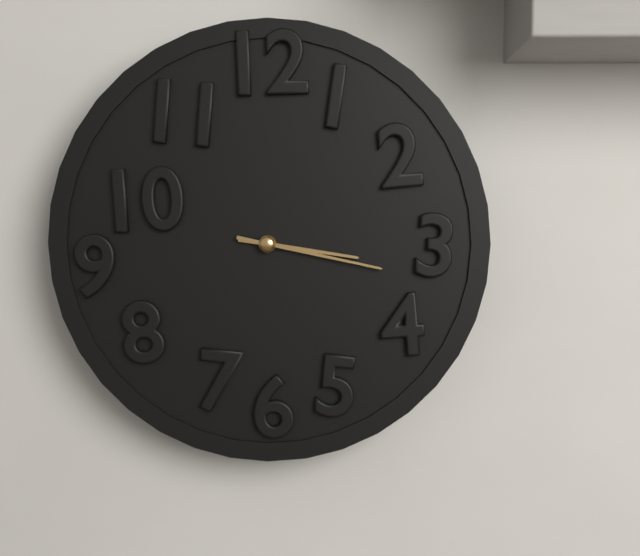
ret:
3:17
